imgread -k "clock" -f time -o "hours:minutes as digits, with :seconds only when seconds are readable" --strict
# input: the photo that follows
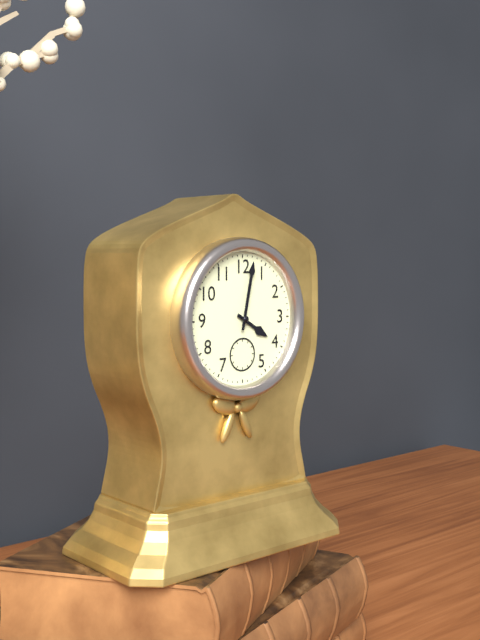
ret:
4:02
